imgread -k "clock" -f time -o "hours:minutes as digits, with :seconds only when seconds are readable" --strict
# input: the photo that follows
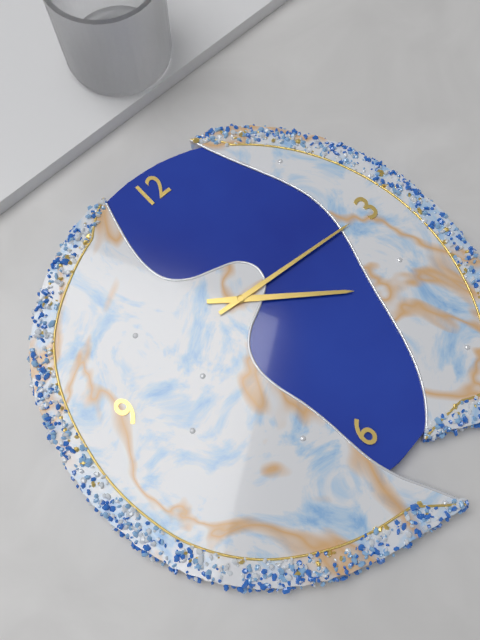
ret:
4:16
